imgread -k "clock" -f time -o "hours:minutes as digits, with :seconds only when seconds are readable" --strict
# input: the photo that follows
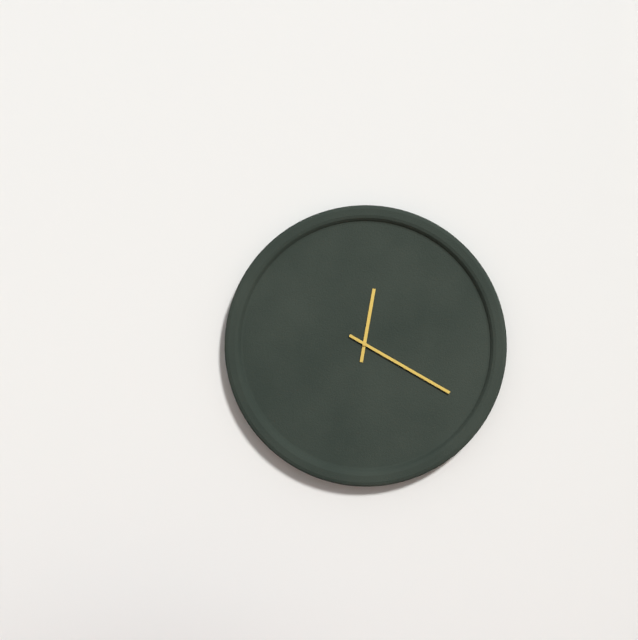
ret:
12:20
